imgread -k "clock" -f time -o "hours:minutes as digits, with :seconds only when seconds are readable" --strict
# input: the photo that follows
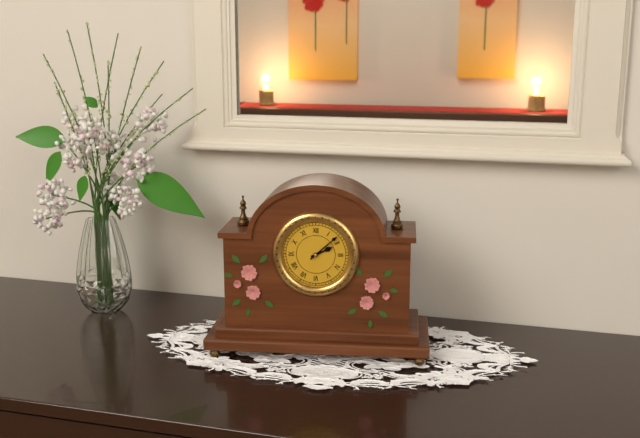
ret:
2:08
